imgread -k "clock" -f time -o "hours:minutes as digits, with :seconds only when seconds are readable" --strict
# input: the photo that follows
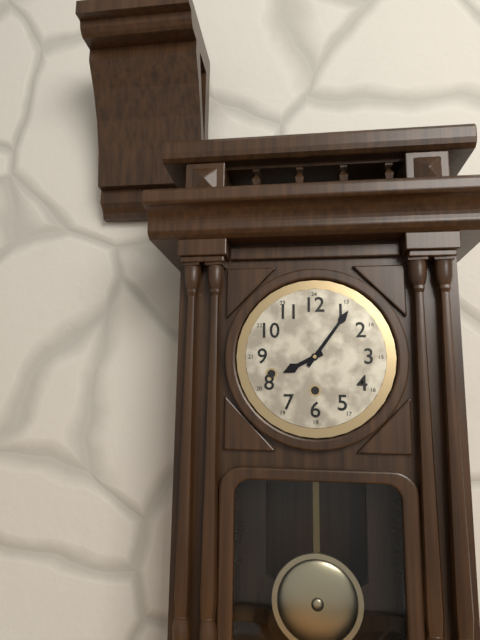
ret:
8:06
